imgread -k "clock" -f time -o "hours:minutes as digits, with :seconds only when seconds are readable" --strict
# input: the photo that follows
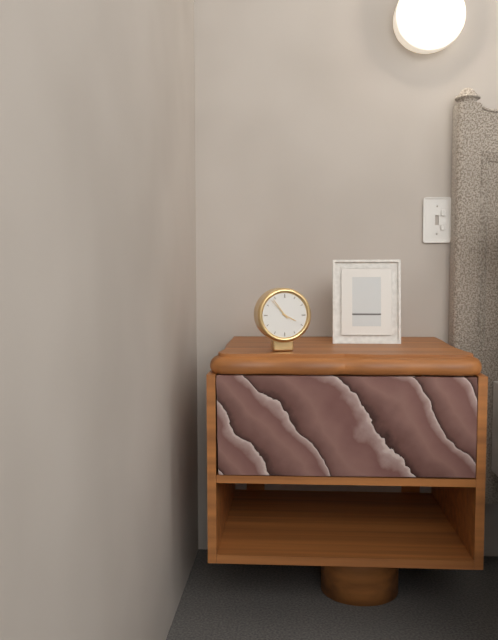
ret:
3:54
